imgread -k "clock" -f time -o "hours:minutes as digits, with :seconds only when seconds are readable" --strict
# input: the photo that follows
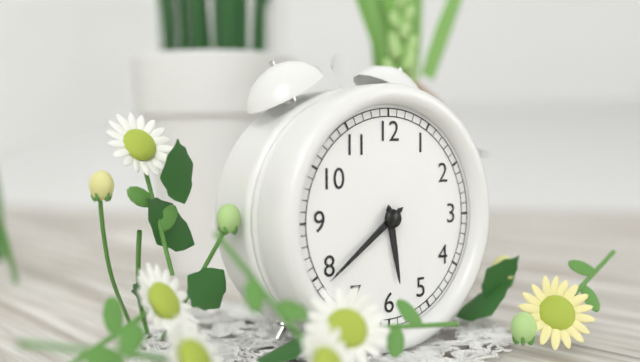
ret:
5:39
